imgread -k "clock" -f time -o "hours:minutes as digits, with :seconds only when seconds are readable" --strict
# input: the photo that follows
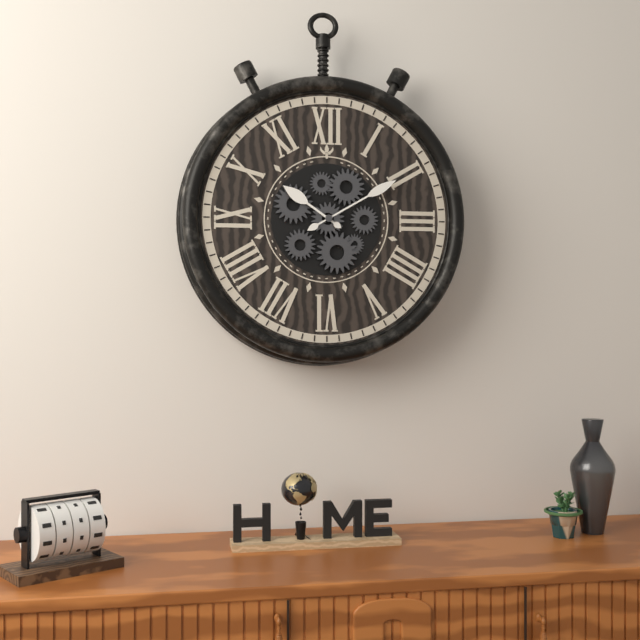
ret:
10:10
